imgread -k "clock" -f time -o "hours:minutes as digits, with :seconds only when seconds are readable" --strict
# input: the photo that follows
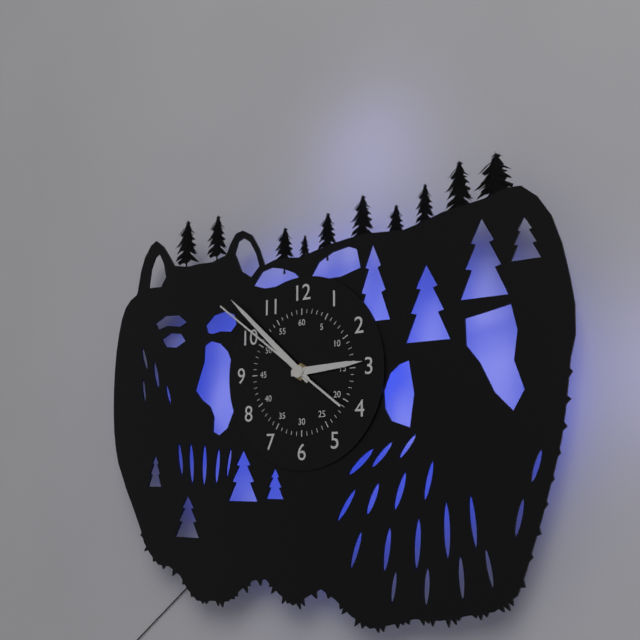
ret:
2:52:51
